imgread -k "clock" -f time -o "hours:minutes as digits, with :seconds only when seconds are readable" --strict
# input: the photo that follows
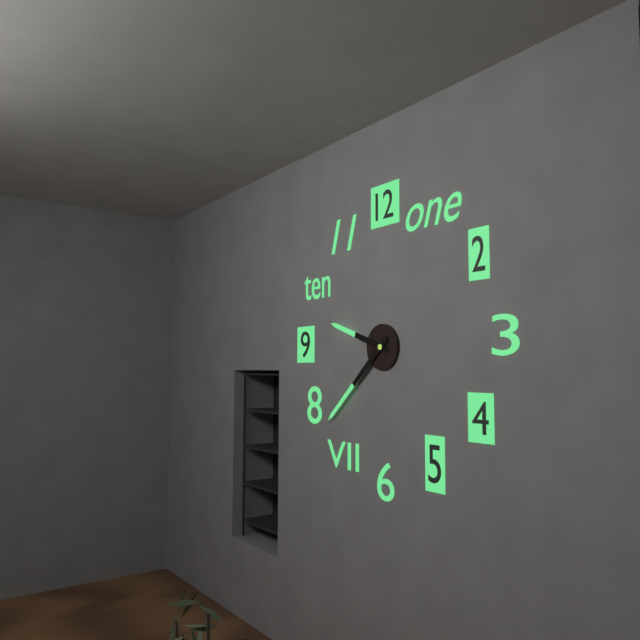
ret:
9:38
